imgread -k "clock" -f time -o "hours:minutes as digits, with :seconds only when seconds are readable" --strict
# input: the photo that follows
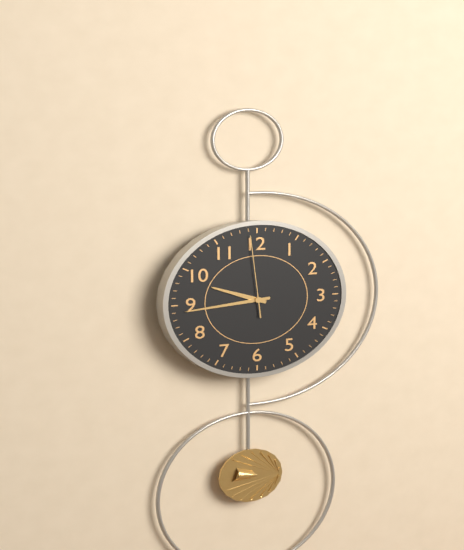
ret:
9:44:59
